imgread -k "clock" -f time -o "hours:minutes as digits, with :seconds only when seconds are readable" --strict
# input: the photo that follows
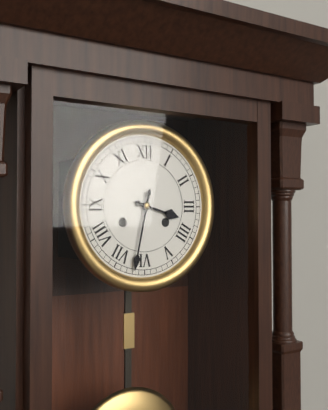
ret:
3:32
